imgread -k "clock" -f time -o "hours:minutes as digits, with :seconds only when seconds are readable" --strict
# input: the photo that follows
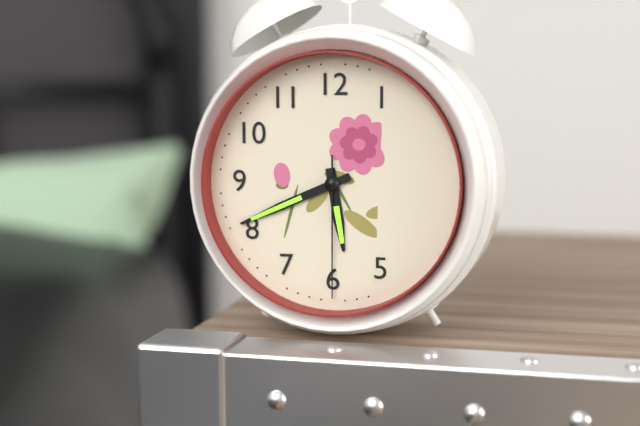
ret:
5:41:30
